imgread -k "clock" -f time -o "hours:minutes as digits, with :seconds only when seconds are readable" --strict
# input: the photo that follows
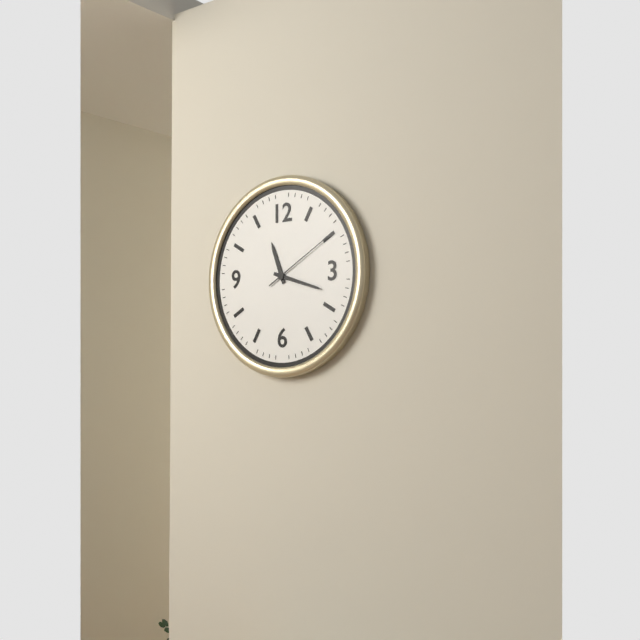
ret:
11:18:10
